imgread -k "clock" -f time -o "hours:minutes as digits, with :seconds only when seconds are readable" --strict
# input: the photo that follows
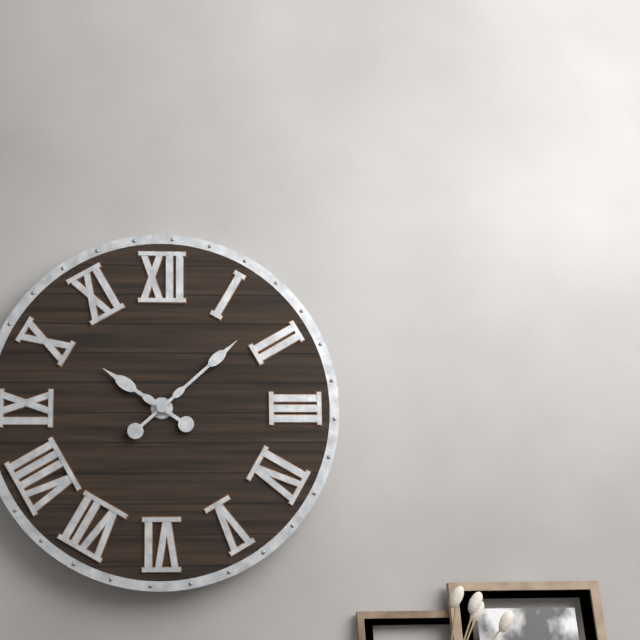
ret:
10:08
